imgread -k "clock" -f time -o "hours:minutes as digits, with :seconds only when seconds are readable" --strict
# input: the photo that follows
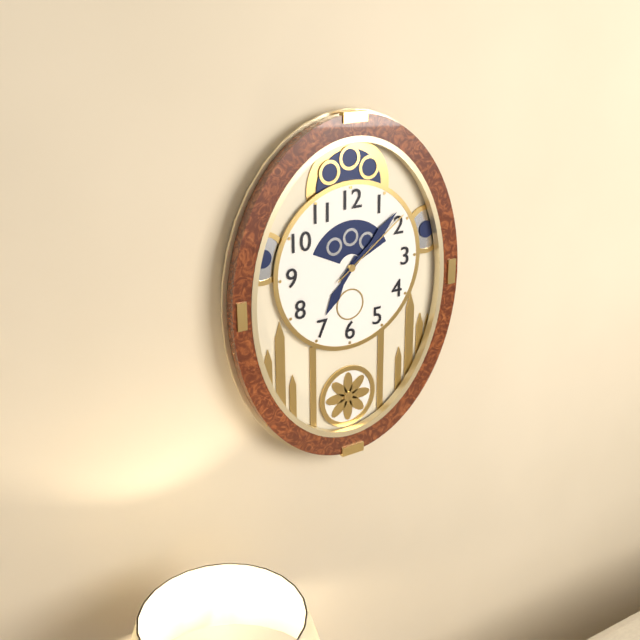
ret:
7:08:09
